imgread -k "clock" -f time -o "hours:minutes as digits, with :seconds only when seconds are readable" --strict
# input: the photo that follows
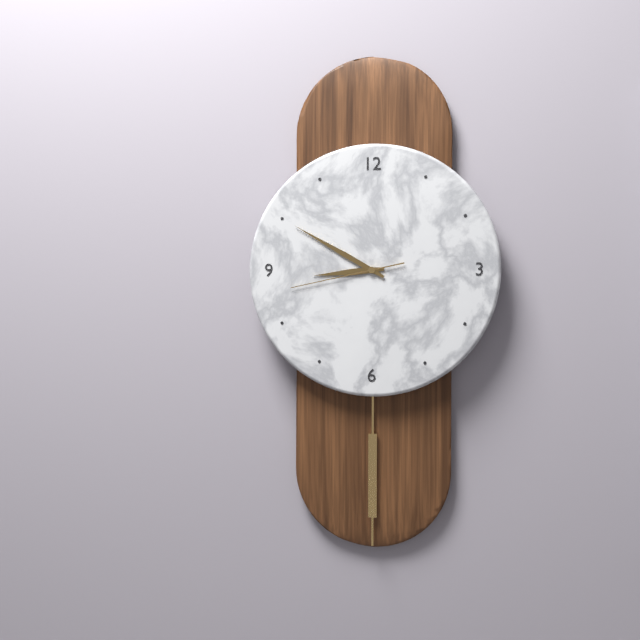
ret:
8:50:43
